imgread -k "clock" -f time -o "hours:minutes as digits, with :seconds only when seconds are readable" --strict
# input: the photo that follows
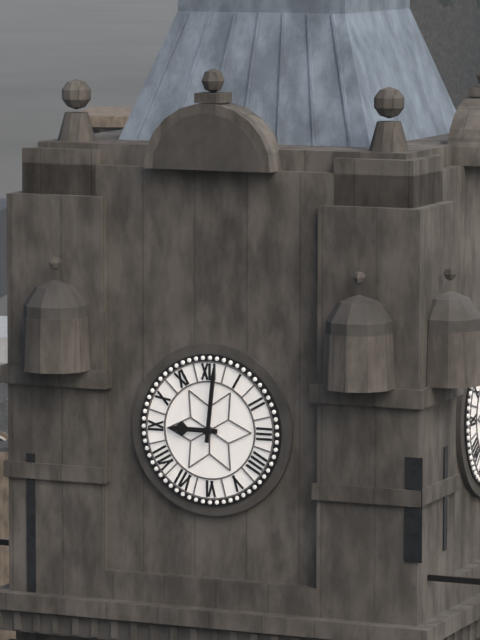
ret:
9:01
